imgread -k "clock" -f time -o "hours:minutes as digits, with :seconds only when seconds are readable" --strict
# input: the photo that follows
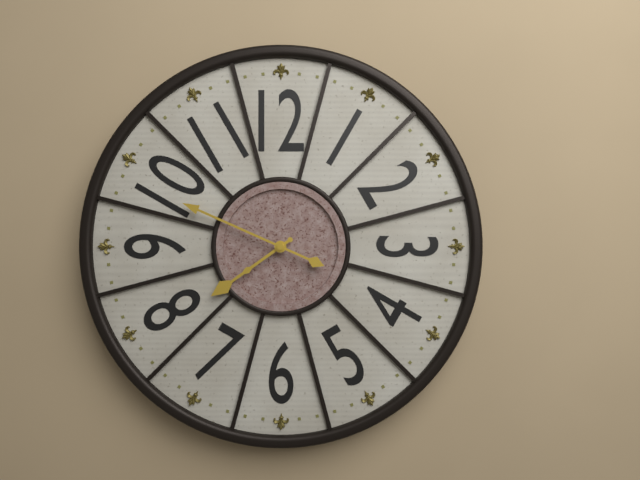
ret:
7:49
